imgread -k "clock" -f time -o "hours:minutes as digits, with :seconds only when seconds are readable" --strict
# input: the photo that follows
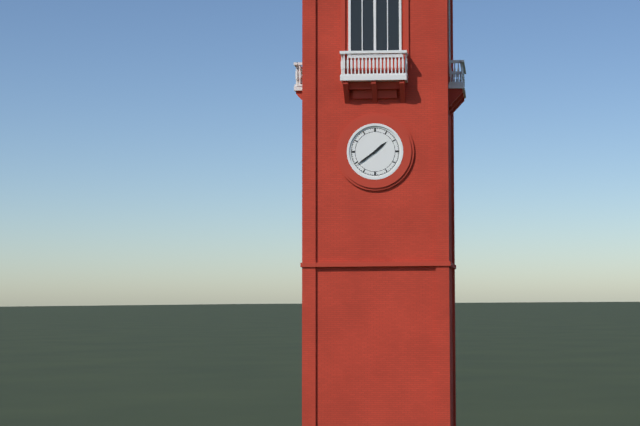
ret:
1:39
